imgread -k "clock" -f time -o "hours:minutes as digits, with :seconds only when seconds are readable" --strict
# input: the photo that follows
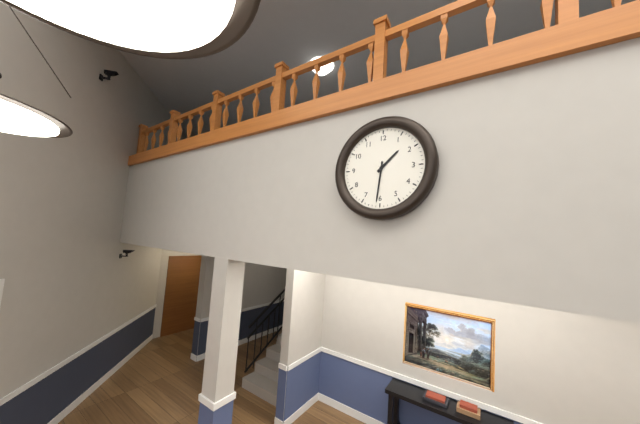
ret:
1:31
